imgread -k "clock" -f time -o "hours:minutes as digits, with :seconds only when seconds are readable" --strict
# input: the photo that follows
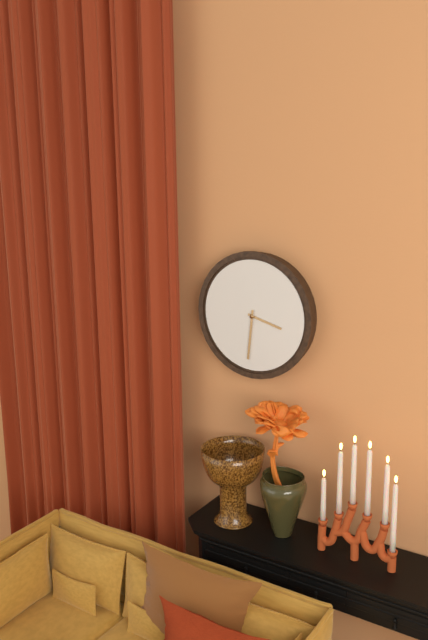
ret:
3:31
